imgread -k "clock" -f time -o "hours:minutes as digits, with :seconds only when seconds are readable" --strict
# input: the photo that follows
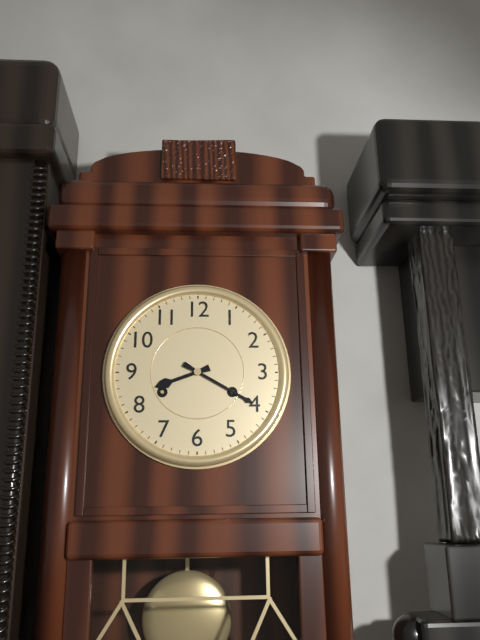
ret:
8:20
